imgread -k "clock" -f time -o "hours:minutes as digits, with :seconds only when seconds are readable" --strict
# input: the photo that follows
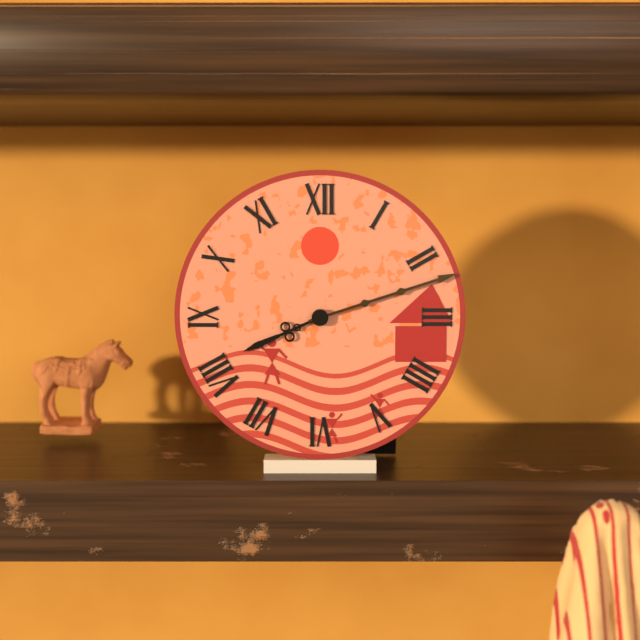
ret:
8:12
